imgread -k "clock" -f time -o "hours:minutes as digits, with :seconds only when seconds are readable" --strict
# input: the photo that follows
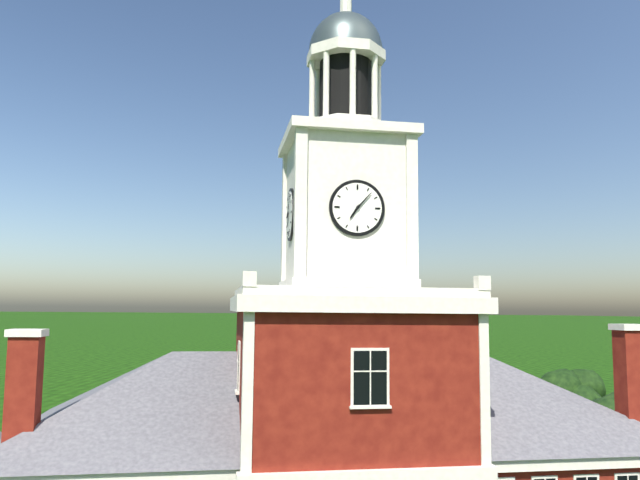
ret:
7:07
